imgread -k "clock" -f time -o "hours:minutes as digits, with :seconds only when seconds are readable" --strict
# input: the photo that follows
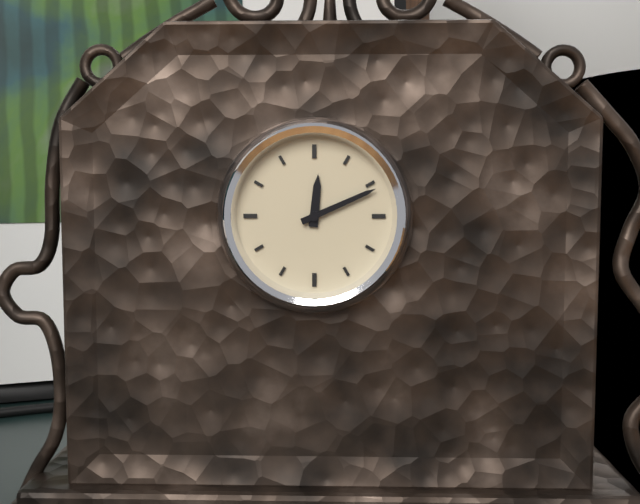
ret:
12:11
